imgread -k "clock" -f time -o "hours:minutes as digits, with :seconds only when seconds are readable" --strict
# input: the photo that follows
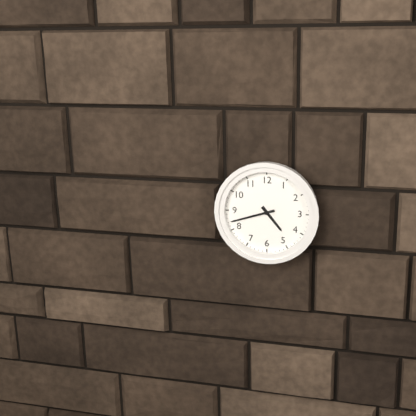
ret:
4:42
